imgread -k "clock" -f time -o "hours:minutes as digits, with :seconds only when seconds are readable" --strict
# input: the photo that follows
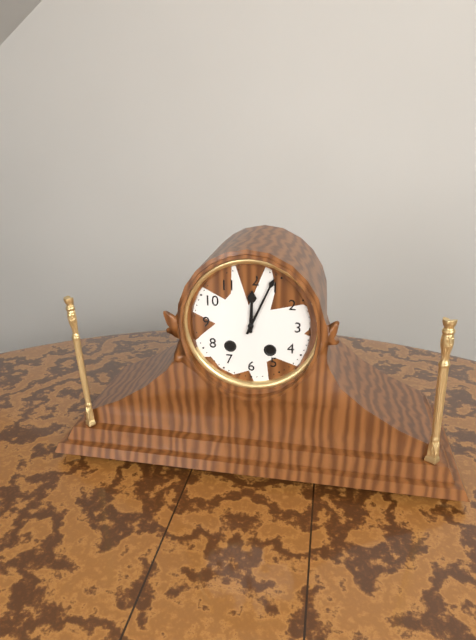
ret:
12:04
